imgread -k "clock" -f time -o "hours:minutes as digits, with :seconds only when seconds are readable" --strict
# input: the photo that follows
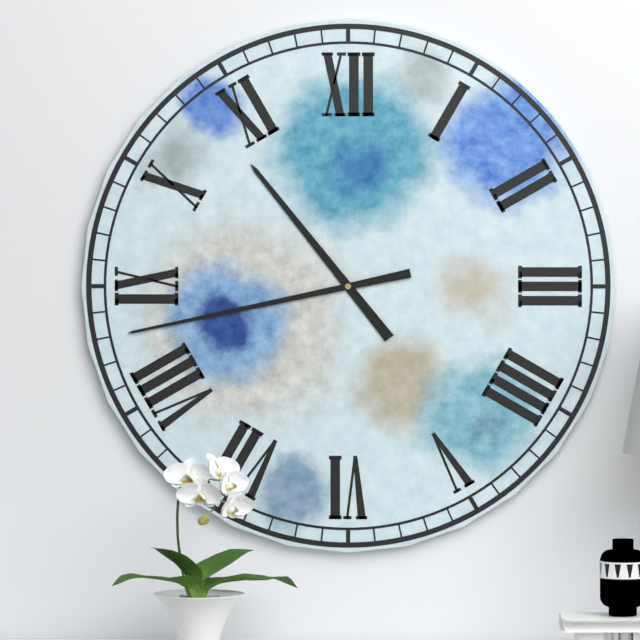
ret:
10:43
